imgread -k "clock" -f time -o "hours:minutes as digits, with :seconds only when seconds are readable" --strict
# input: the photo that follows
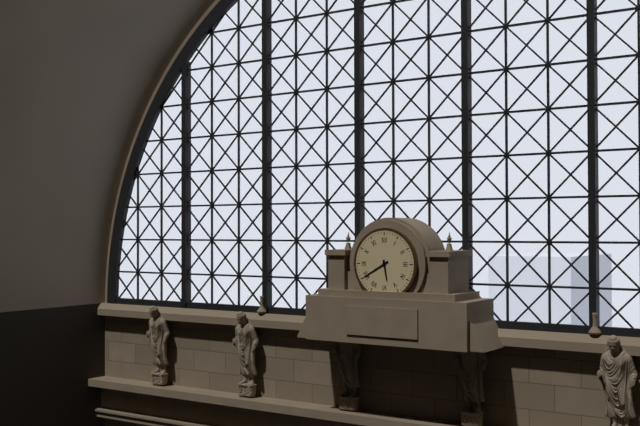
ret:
5:40
